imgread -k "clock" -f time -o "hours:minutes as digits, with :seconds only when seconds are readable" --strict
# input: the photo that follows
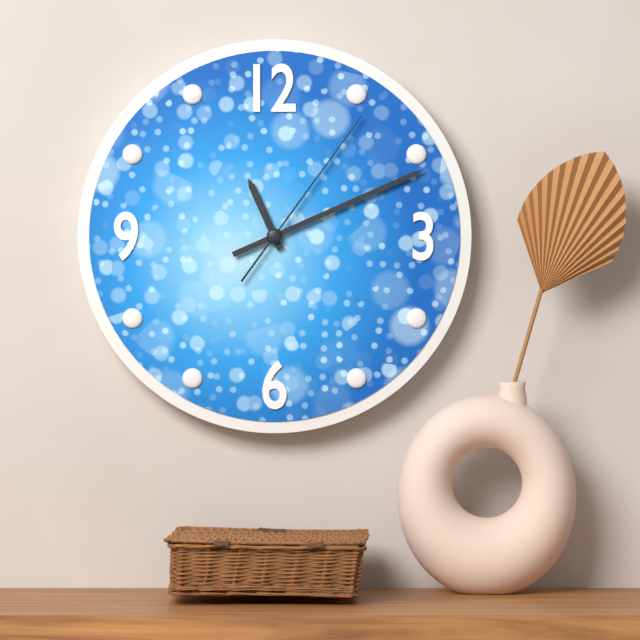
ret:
11:11:06
